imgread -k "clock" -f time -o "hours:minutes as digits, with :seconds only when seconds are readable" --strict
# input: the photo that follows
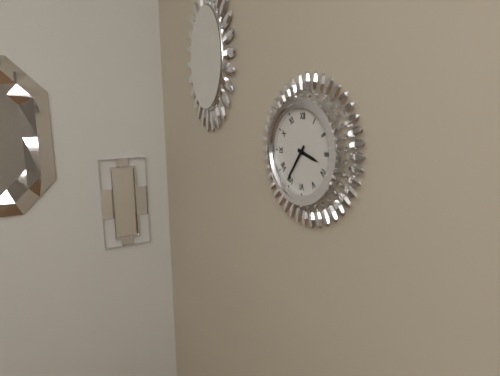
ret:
3:36
